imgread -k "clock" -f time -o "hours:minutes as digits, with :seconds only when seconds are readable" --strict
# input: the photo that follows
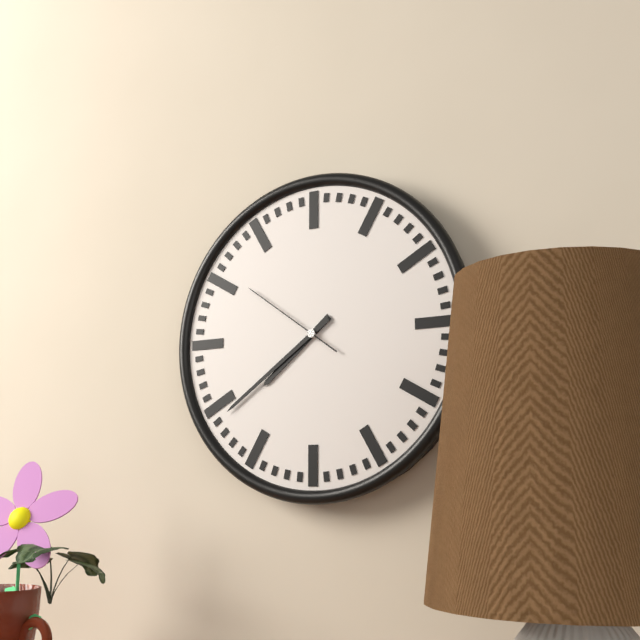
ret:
7:39:51
